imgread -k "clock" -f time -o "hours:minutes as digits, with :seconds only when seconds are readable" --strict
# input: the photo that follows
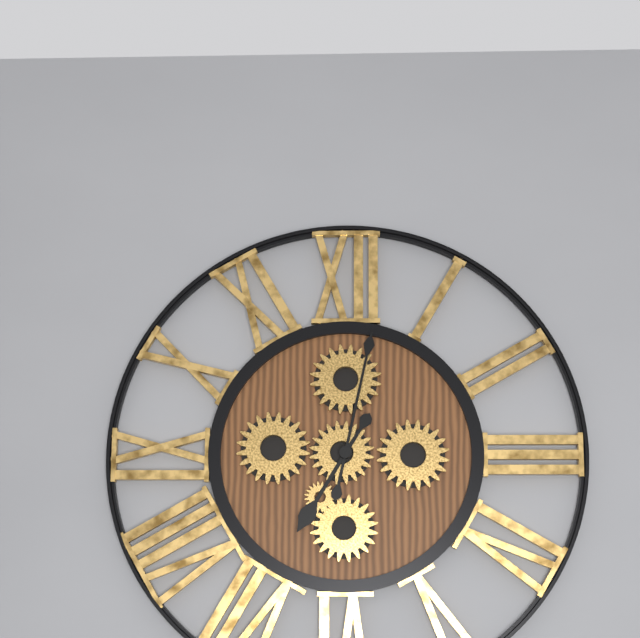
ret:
7:02
